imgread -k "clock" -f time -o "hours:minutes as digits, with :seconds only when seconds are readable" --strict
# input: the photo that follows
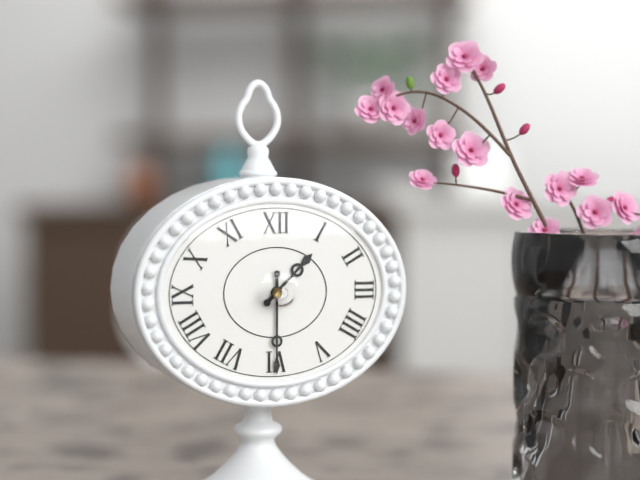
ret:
1:30
